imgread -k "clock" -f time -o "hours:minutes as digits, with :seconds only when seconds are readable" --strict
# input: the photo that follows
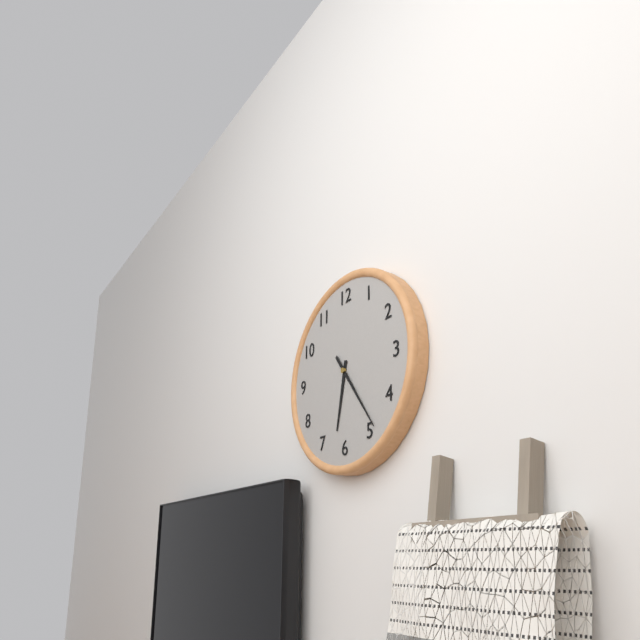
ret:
6:24
